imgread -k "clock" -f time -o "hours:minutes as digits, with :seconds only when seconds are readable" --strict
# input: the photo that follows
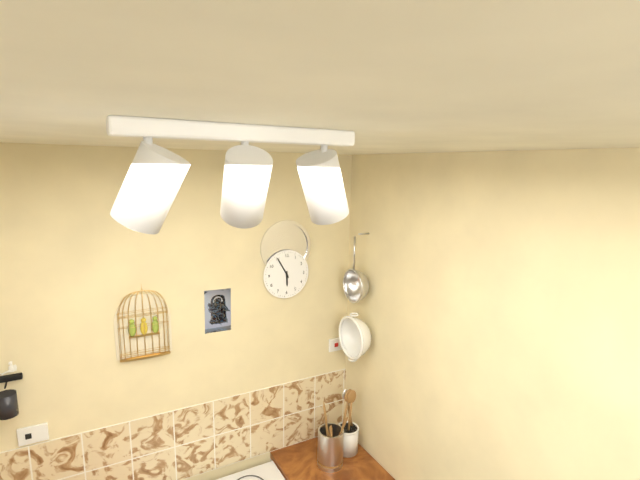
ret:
5:55
